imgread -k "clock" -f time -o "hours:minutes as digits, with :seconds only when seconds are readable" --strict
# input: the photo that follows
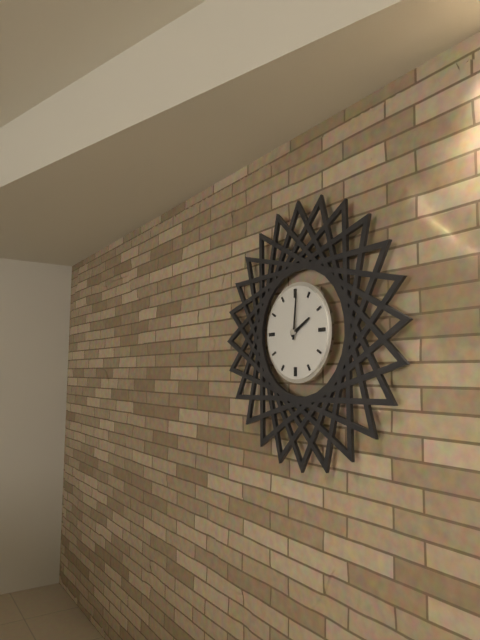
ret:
2:01
